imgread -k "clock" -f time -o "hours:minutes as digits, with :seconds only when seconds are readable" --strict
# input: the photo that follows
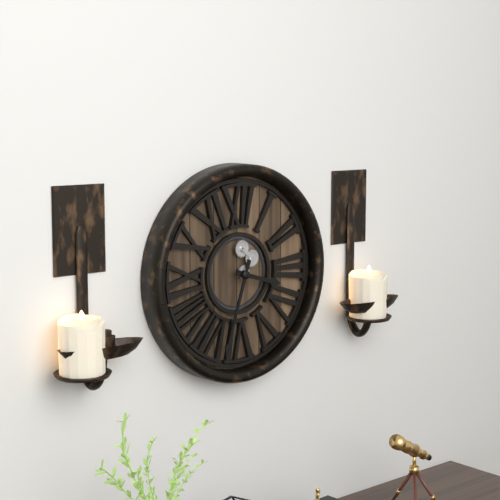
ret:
3:33
